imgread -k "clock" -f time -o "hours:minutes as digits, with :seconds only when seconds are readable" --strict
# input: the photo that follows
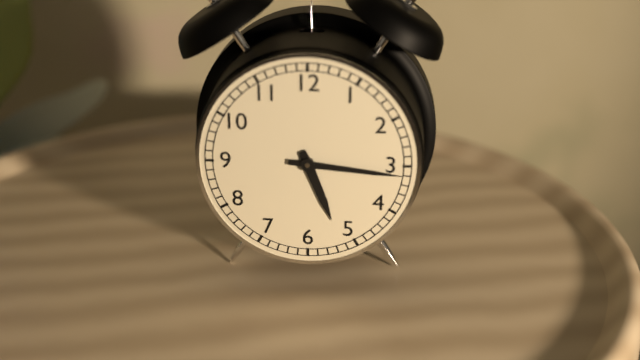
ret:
5:16
